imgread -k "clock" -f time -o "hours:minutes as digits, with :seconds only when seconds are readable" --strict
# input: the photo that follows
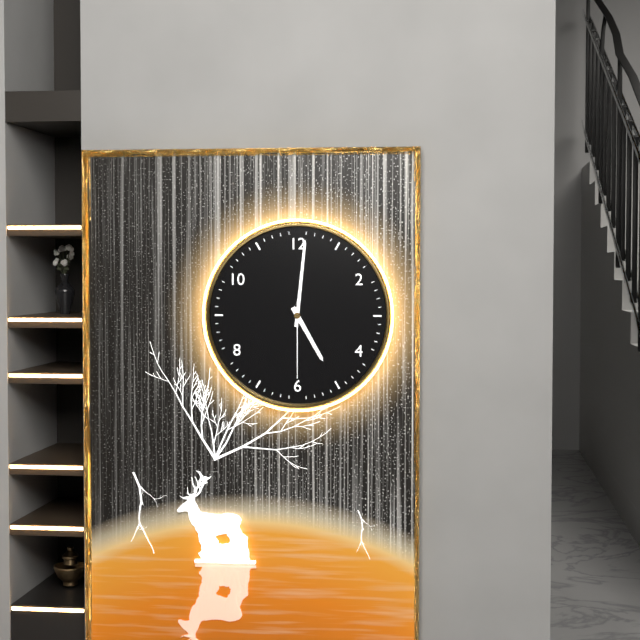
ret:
5:01:30
